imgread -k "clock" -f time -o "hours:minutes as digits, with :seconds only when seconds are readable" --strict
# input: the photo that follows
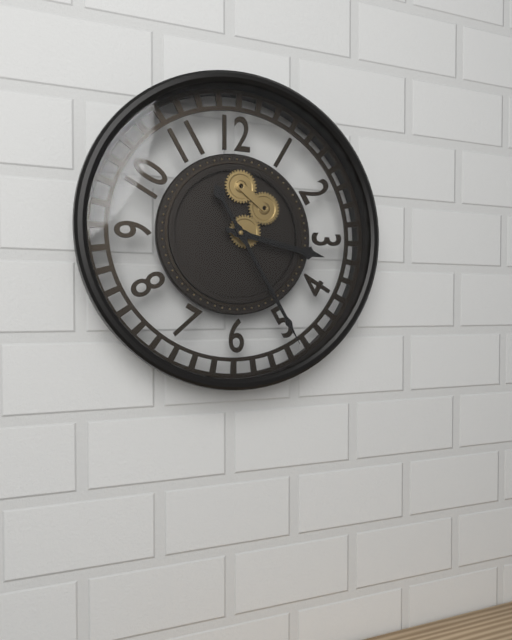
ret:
3:25
